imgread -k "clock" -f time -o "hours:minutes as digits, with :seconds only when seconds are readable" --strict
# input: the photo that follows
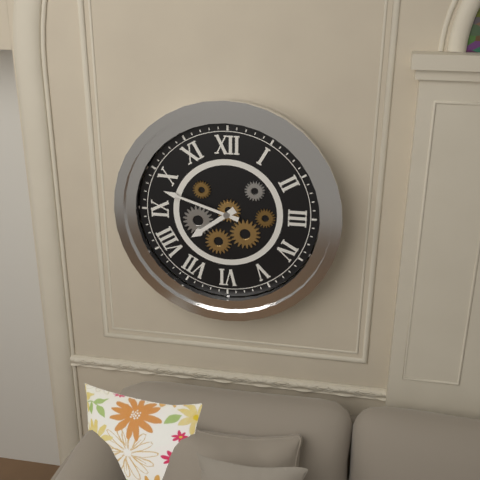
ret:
7:48
